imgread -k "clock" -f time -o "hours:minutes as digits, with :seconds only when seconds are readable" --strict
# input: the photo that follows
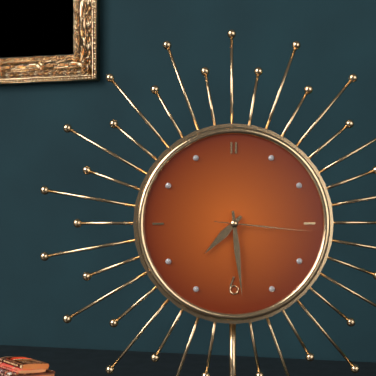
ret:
7:29:16
